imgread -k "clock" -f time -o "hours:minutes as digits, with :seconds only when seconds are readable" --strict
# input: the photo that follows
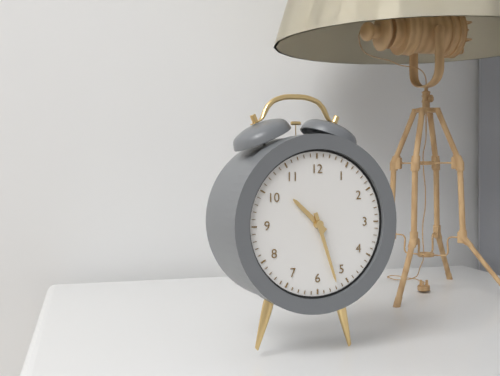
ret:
10:27
